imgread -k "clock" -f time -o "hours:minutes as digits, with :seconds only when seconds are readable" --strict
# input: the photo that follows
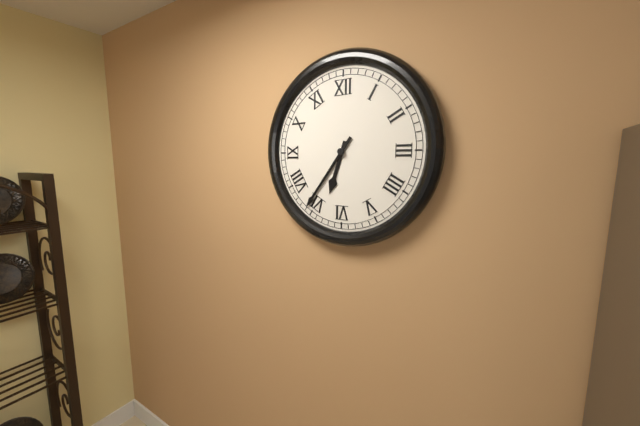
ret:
6:36
